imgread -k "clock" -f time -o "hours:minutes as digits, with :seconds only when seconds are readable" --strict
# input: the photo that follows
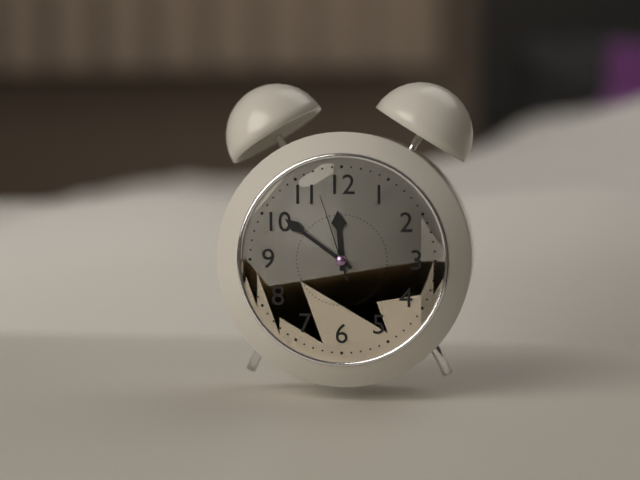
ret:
11:51:57
